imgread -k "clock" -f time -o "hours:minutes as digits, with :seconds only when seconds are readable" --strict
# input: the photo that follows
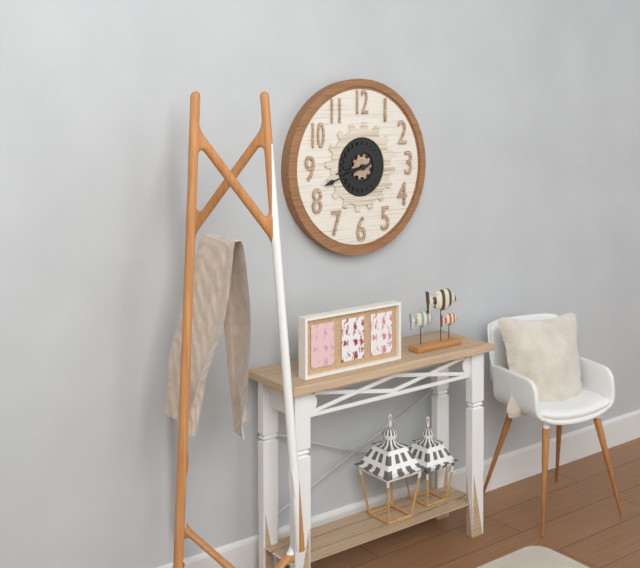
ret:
8:42
